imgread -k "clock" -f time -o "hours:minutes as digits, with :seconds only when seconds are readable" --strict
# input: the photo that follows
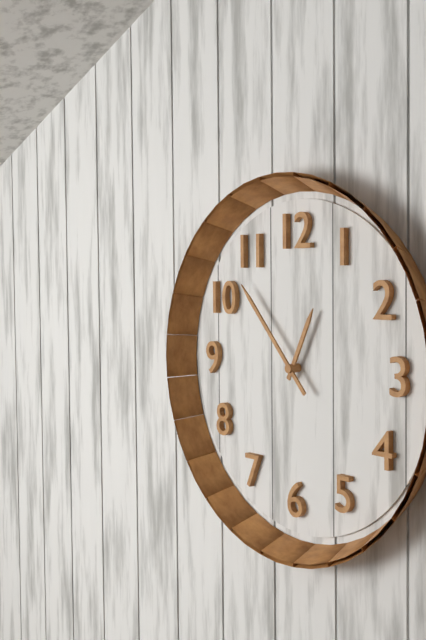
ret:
12:53
